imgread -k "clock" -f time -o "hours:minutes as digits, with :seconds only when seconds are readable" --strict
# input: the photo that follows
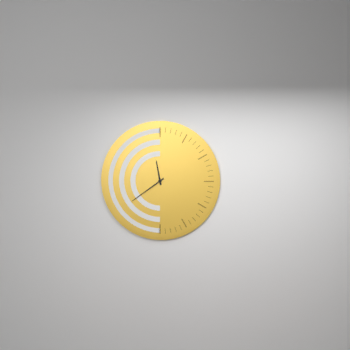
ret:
11:39
